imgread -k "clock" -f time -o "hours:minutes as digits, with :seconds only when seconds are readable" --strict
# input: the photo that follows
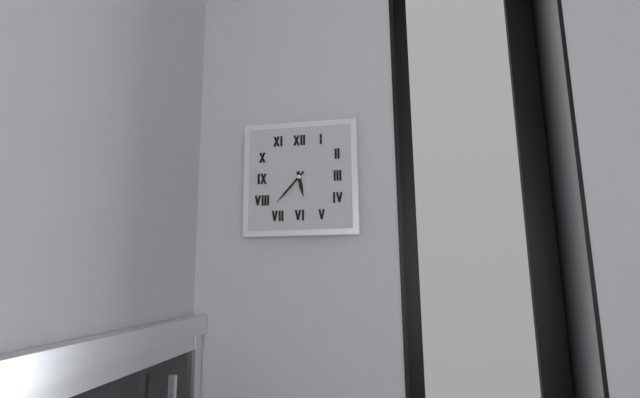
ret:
5:37
